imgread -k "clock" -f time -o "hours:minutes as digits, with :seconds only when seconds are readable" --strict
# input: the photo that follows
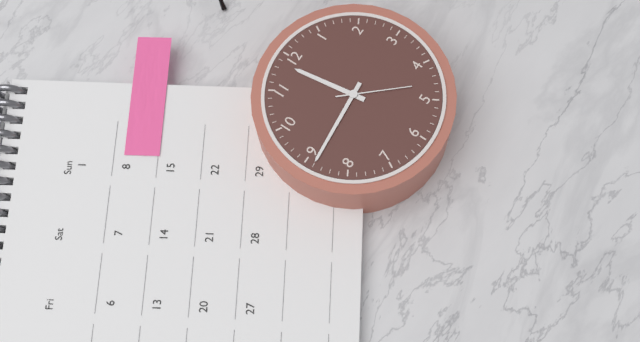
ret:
11:44:23
